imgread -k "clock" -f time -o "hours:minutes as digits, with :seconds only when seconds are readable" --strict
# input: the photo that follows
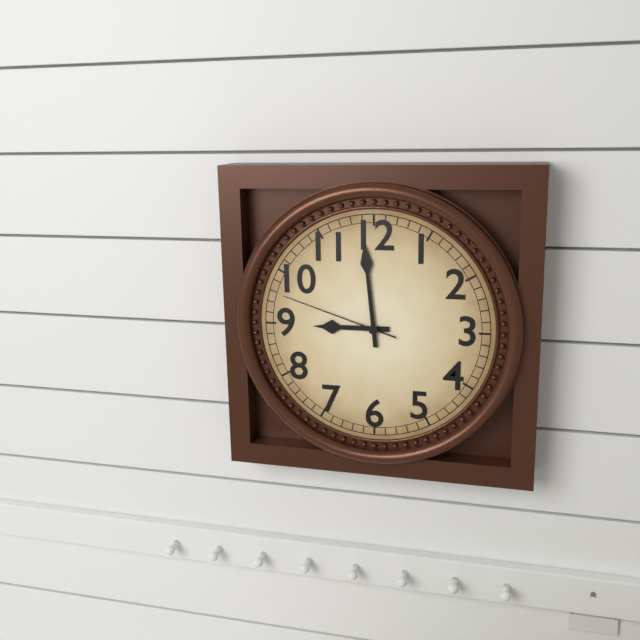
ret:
8:59:48
